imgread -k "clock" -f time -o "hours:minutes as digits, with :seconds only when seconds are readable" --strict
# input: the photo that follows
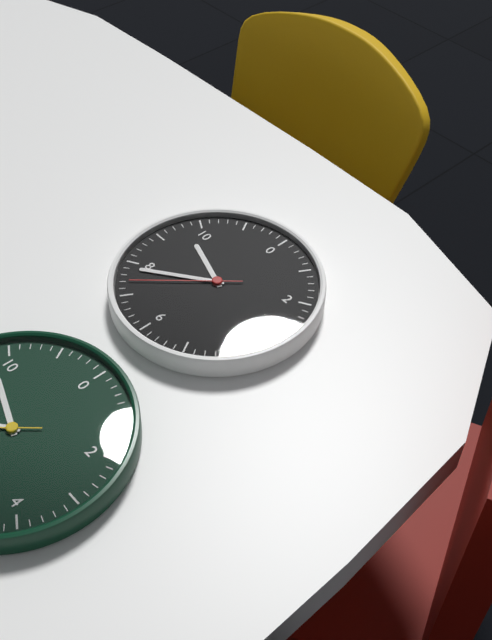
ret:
9:39:37
